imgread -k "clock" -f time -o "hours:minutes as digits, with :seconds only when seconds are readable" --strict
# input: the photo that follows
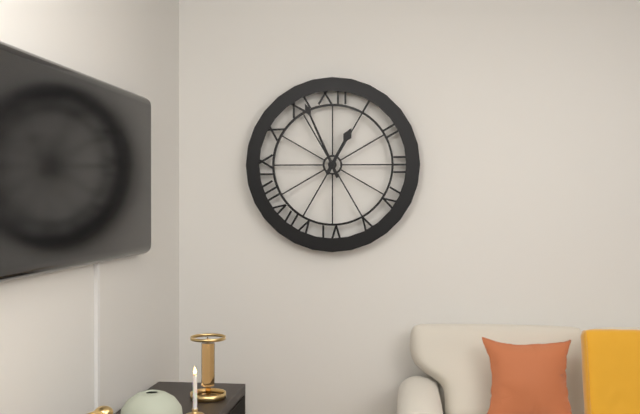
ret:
12:56
